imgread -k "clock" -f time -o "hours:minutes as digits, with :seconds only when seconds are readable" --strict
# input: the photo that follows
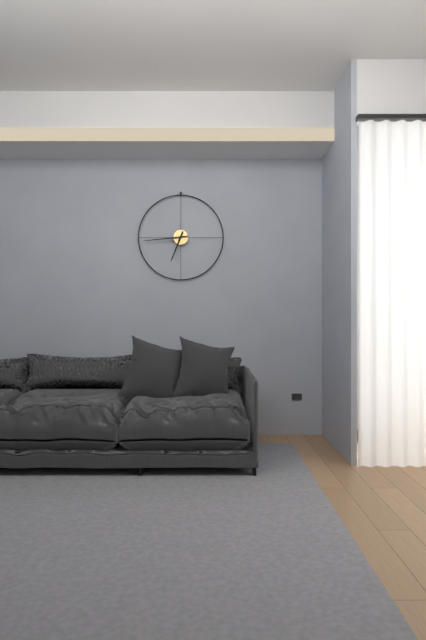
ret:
6:44
